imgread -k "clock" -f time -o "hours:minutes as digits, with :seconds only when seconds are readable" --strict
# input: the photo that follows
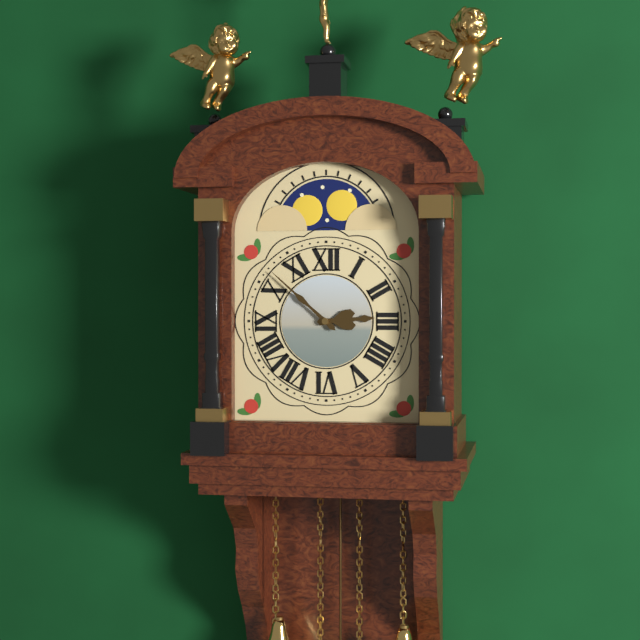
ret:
2:52
